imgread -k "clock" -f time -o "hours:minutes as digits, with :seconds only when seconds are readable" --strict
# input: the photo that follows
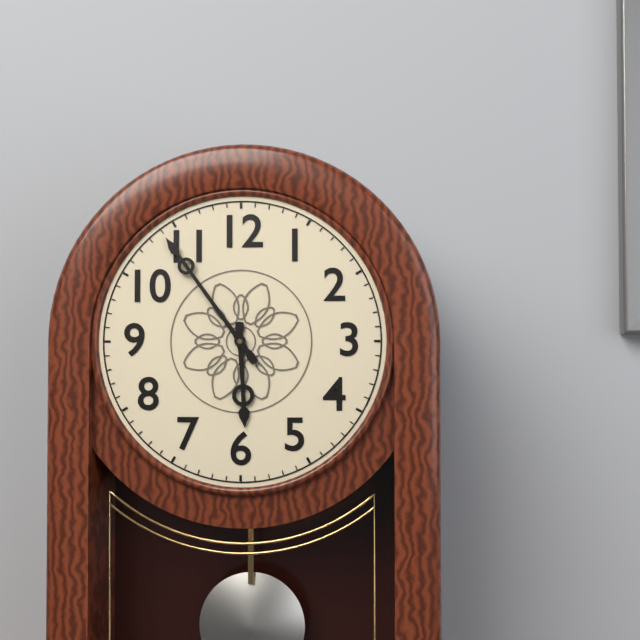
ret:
5:54
